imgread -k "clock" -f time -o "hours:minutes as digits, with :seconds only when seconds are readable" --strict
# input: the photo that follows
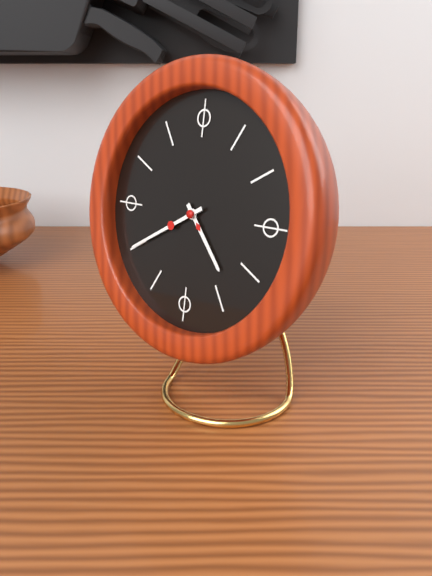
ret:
4:40
